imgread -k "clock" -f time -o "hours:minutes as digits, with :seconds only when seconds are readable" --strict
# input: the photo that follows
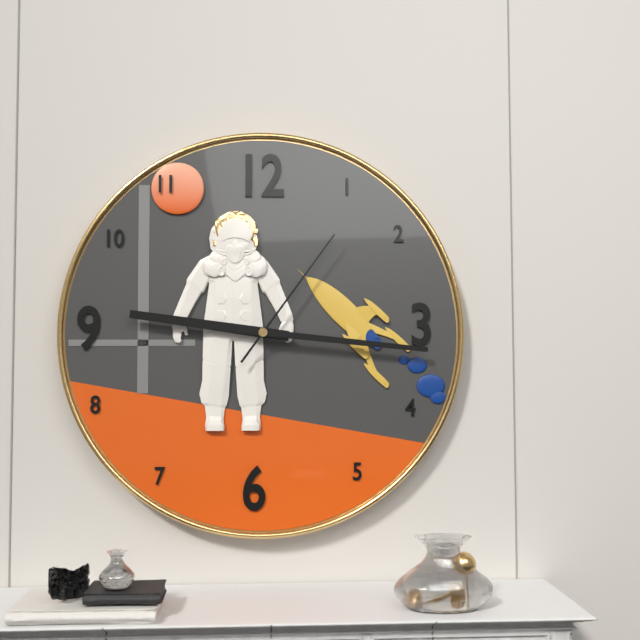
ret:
9:16:06
